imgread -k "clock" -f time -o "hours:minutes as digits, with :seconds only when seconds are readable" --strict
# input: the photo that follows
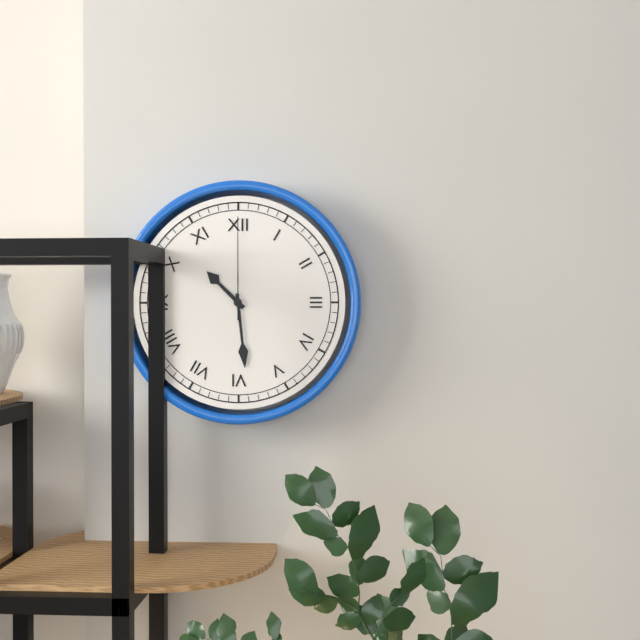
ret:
10:29:00
